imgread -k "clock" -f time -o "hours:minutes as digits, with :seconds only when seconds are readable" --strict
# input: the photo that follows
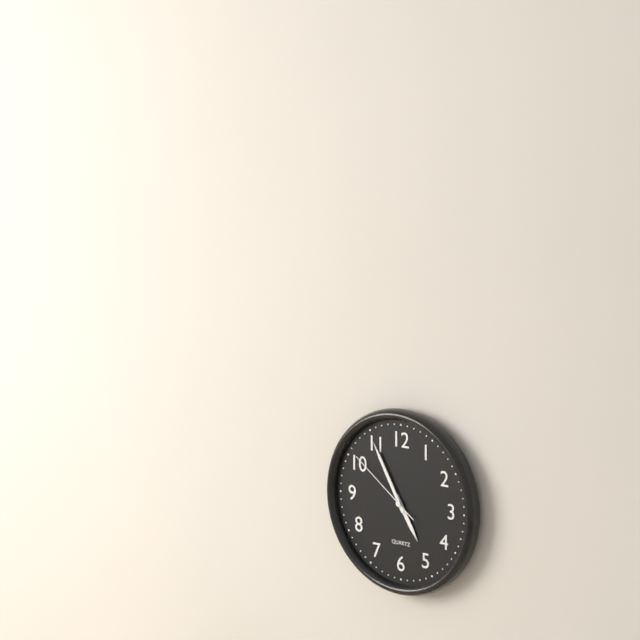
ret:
4:55:51
